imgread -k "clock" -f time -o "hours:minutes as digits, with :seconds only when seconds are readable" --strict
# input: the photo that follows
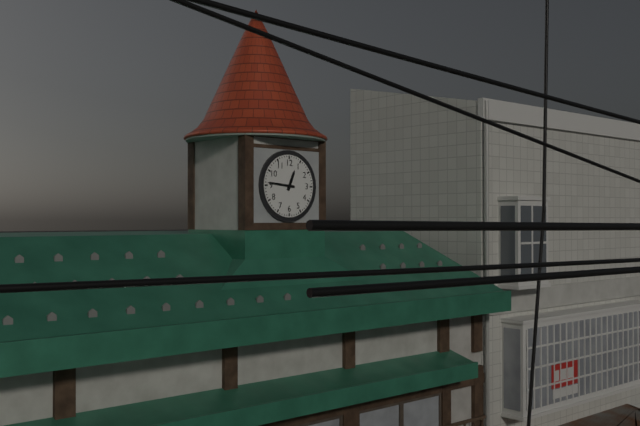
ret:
12:46
